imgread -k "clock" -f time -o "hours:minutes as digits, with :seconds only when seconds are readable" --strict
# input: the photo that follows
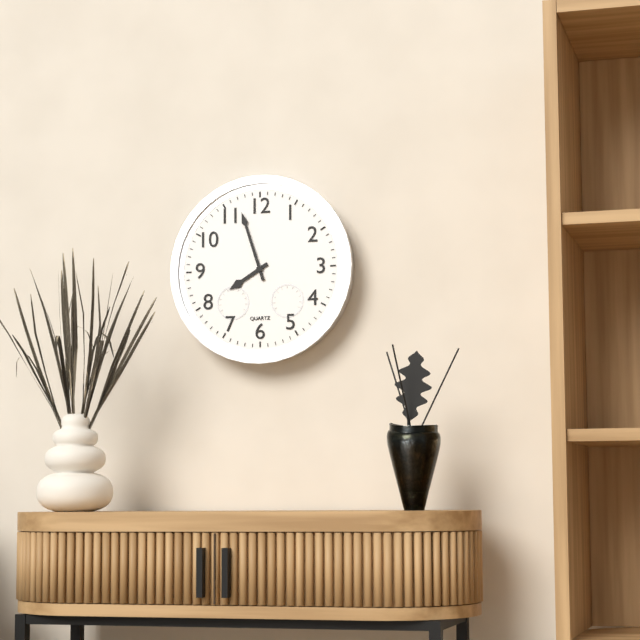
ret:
7:57
